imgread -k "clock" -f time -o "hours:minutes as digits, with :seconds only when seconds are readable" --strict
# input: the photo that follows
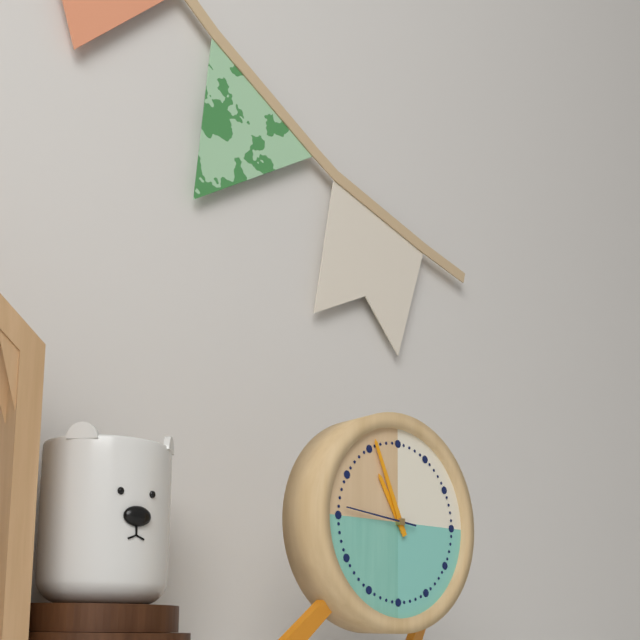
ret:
10:56:46
